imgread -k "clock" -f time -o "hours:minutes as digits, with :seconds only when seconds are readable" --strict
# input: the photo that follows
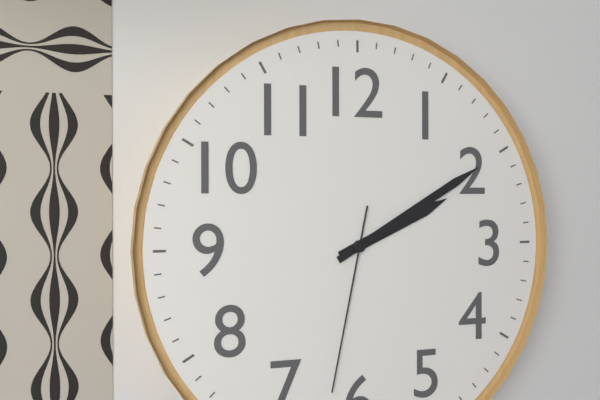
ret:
2:10:32
